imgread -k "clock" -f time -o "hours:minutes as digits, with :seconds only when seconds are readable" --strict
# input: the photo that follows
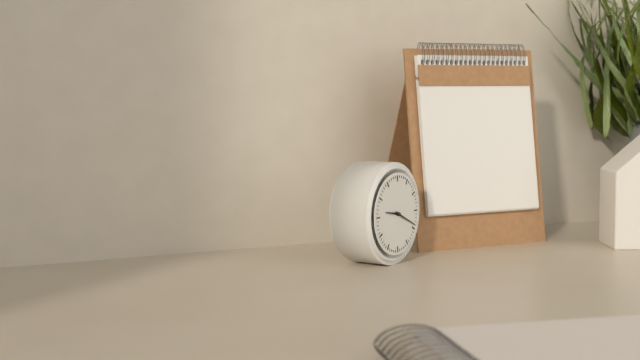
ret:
9:19
